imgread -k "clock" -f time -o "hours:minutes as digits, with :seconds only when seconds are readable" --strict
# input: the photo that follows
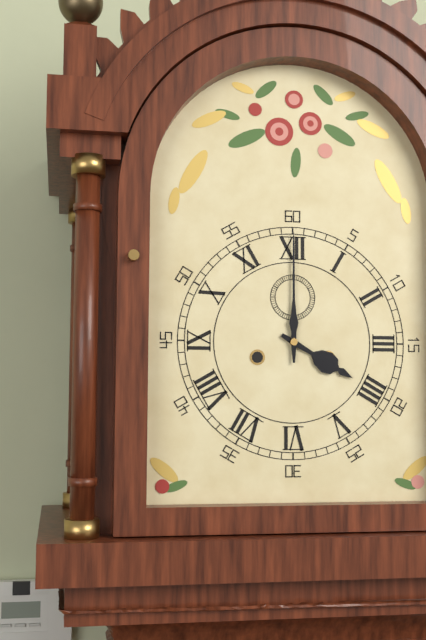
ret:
4:00
